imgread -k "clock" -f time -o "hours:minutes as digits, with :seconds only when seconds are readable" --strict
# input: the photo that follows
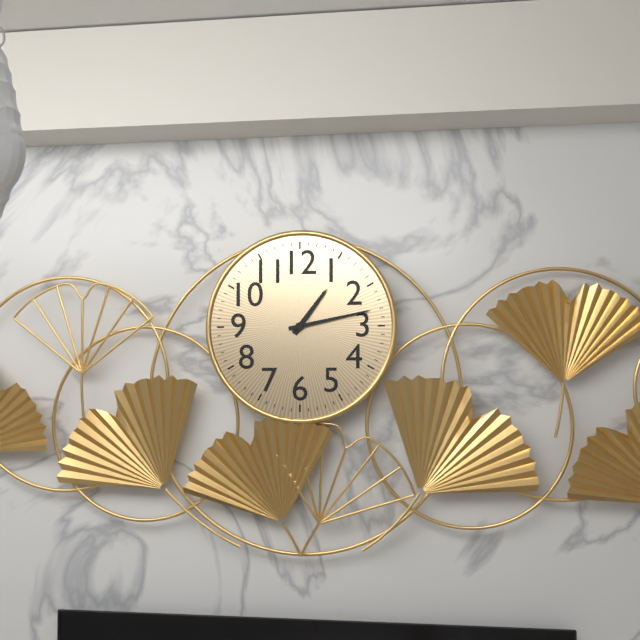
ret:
1:13
